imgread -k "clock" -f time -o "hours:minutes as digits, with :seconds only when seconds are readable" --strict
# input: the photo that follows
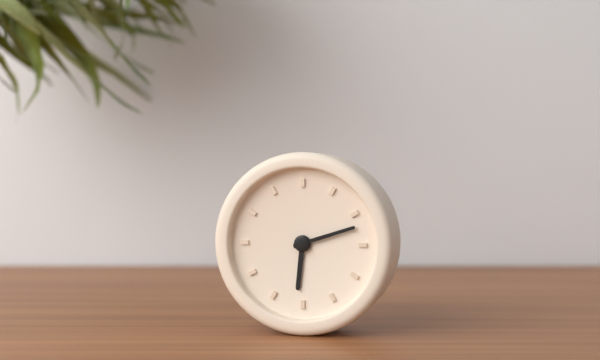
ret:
6:12
